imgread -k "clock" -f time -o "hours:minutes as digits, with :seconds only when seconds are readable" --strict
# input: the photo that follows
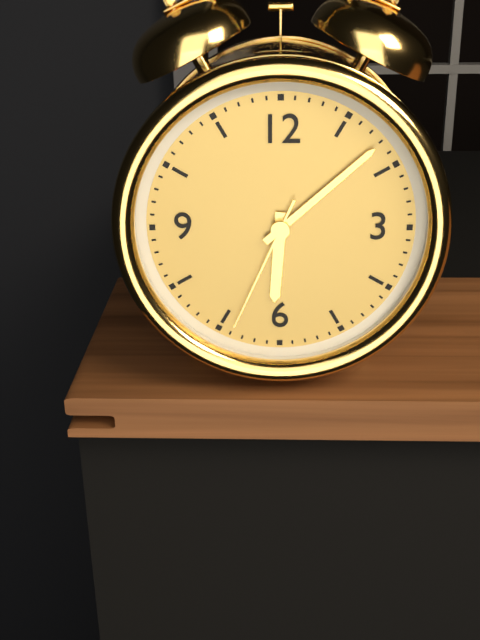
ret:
6:08:34
